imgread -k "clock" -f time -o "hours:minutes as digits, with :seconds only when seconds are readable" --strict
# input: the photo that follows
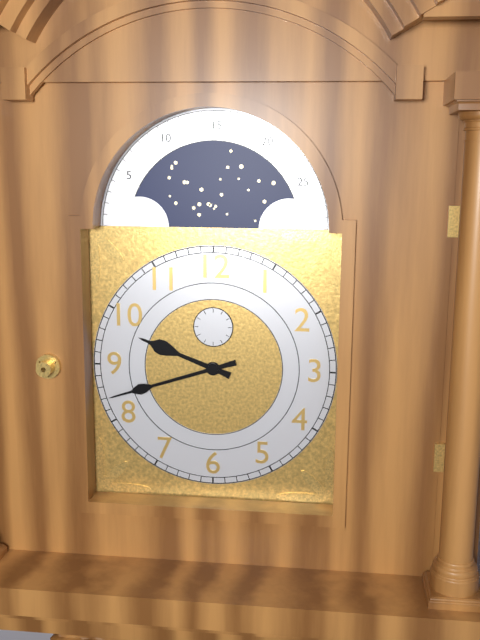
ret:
9:42
